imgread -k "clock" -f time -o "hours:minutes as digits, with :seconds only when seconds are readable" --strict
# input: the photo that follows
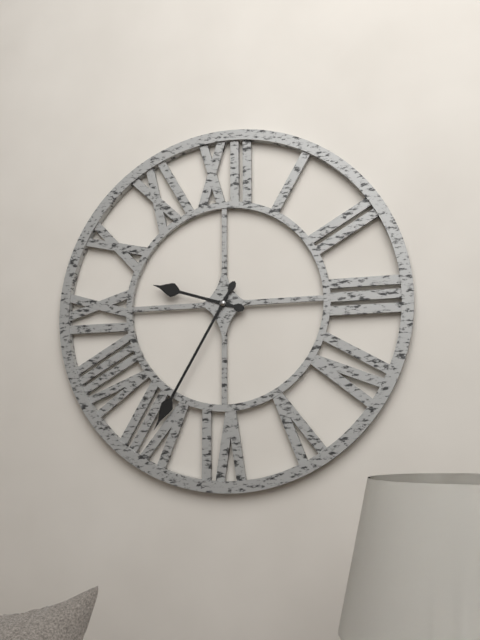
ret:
9:35
